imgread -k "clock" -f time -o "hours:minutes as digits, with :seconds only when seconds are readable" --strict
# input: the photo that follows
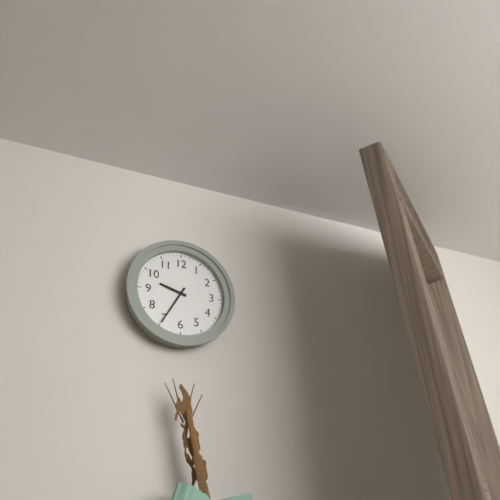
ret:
9:35
